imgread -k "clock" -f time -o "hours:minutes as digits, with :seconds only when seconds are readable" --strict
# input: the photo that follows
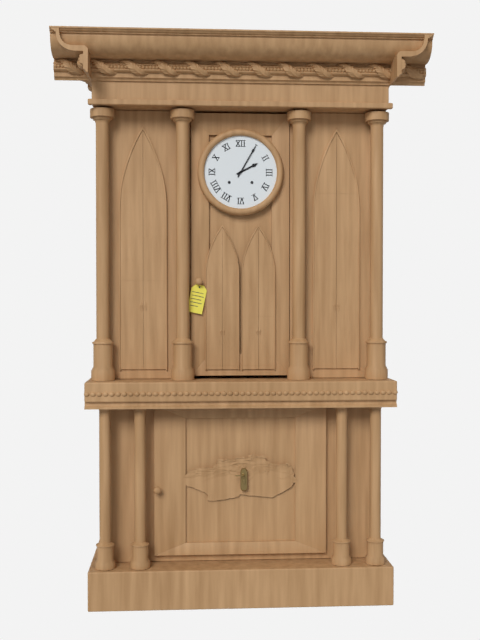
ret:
2:05
